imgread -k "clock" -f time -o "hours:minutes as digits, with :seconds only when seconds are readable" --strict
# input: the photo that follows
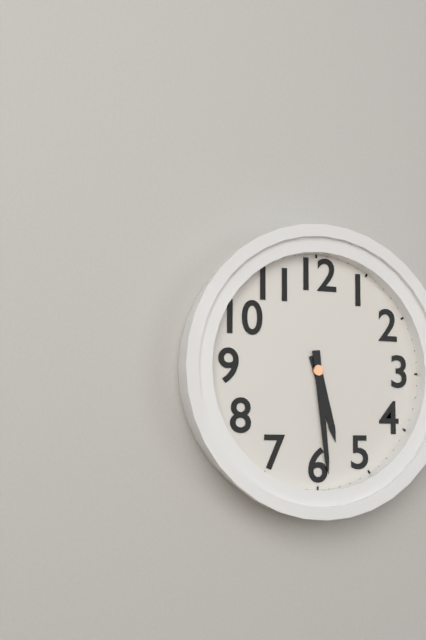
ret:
5:29
